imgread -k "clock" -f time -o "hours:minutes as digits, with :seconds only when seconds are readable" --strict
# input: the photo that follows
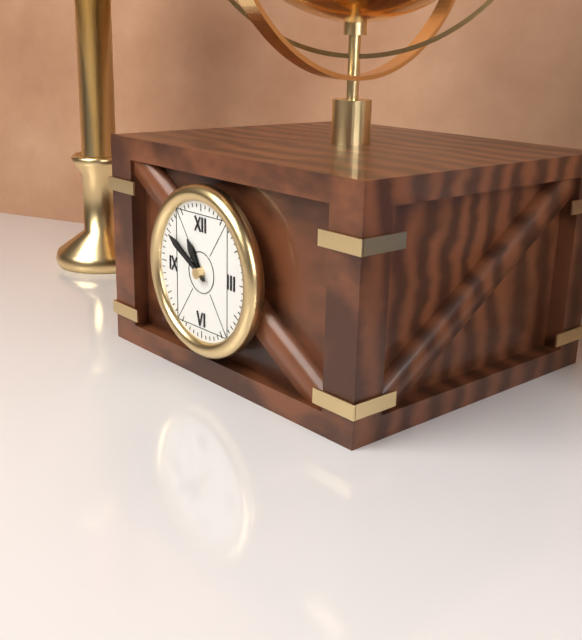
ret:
10:50
